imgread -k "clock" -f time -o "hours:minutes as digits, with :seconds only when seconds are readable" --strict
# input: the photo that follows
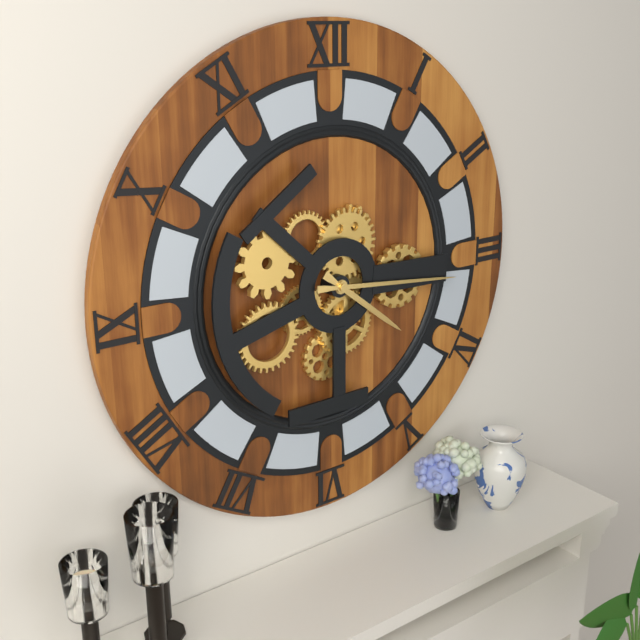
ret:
4:16
